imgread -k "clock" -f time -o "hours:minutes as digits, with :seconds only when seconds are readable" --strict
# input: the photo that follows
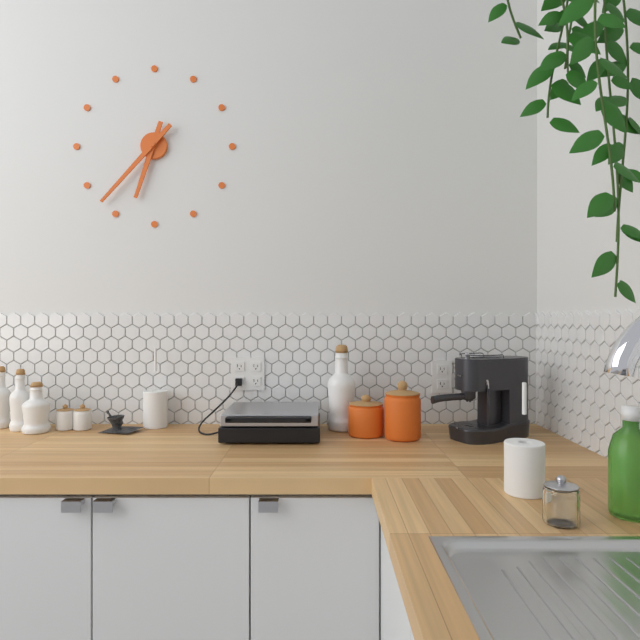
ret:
6:37
